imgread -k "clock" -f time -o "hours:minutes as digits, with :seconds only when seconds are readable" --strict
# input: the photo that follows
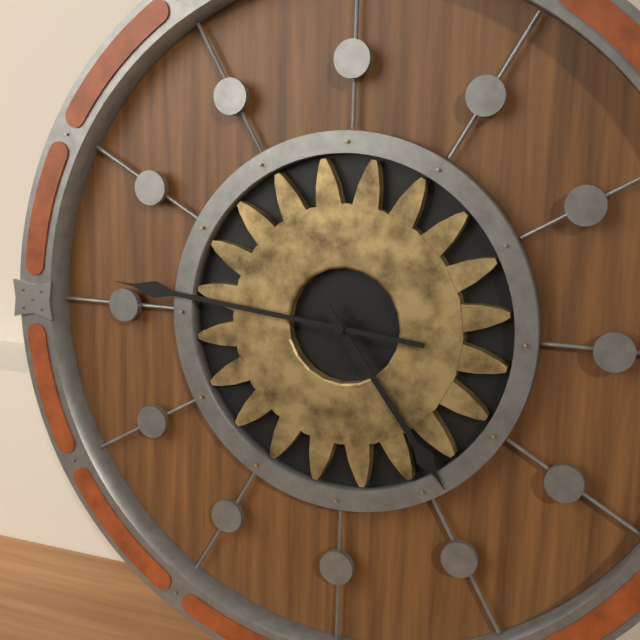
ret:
4:46
